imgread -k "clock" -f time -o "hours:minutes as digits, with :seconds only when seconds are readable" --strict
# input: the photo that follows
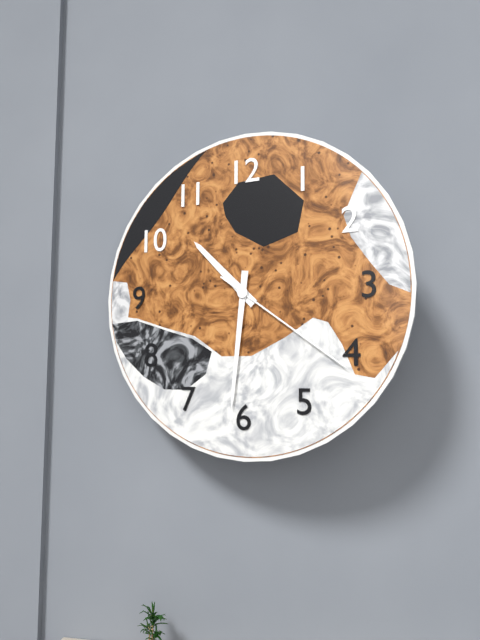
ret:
10:31:21
